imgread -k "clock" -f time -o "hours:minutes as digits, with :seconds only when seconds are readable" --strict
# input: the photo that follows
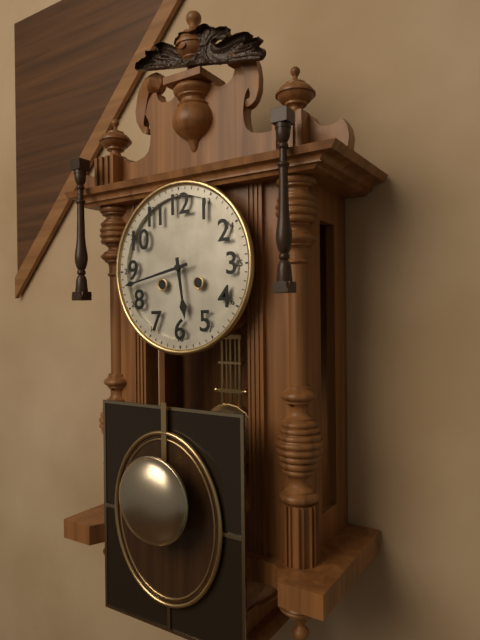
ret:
5:43
